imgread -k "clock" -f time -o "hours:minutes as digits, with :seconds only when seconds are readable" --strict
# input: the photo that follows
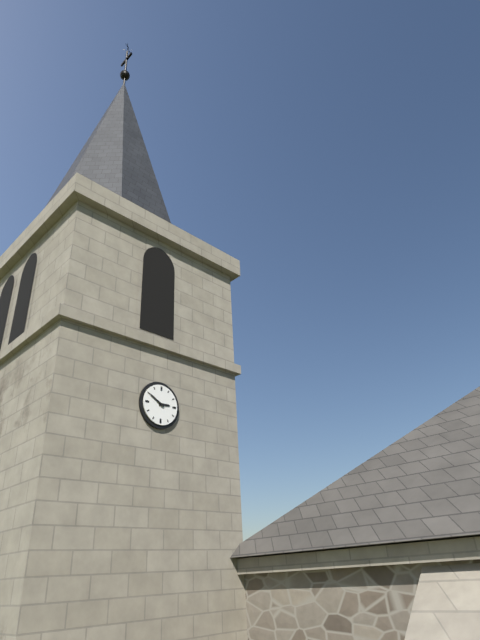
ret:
2:50
